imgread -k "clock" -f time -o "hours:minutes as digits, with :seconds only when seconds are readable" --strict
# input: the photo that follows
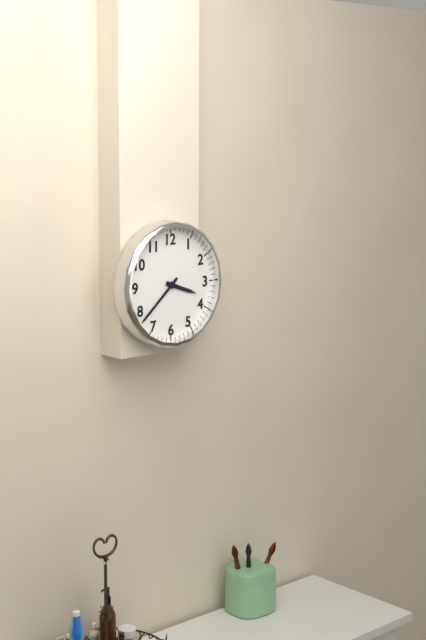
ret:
3:38
